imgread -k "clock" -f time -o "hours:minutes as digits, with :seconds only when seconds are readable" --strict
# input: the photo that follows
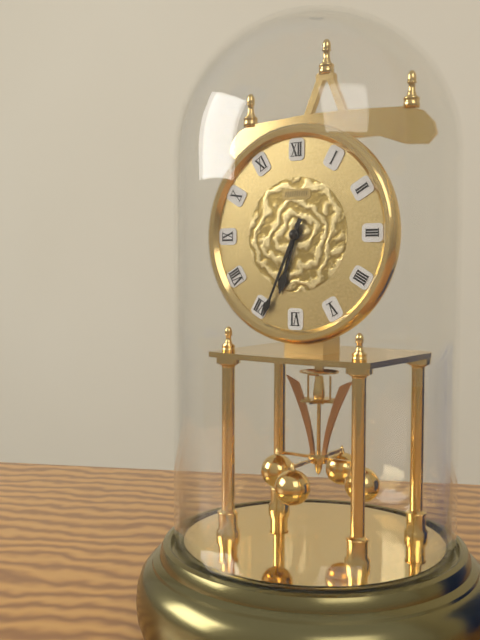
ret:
6:34
